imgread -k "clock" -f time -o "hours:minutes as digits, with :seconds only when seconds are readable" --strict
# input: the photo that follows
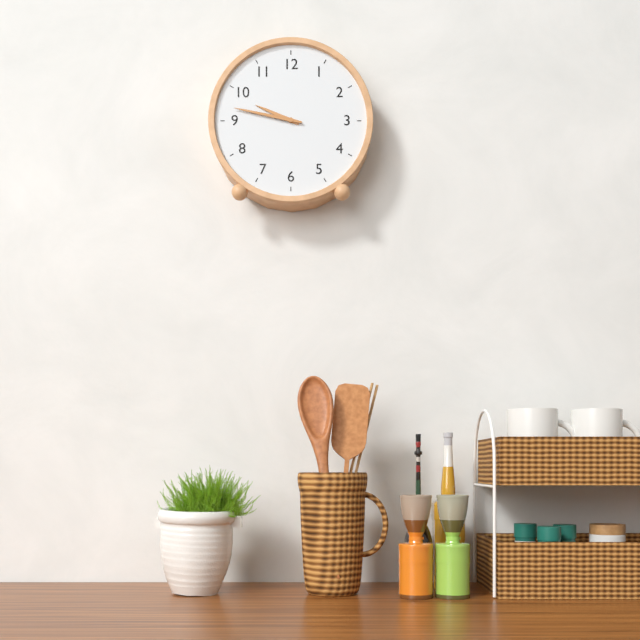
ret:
9:47
